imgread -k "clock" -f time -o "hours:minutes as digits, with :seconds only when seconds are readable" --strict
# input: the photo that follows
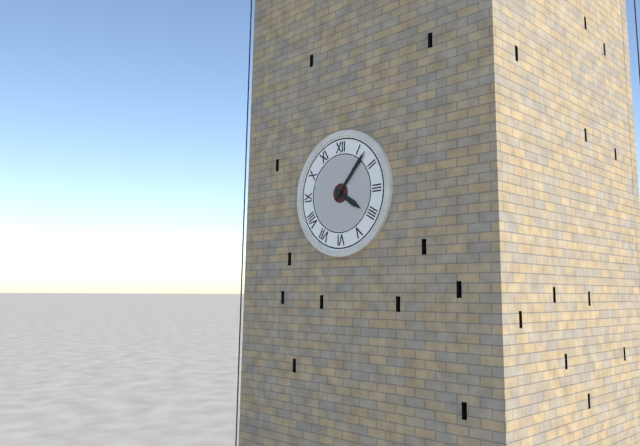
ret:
4:07
